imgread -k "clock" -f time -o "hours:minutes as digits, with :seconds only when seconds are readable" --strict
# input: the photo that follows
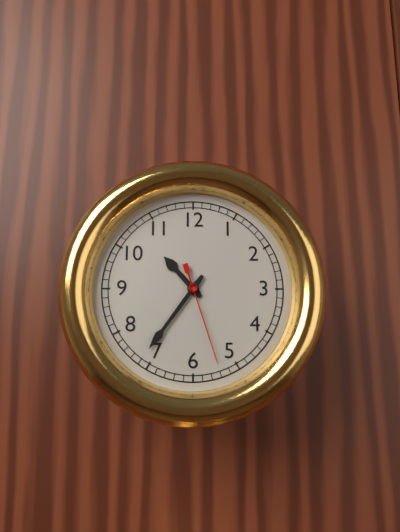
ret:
10:36:27
